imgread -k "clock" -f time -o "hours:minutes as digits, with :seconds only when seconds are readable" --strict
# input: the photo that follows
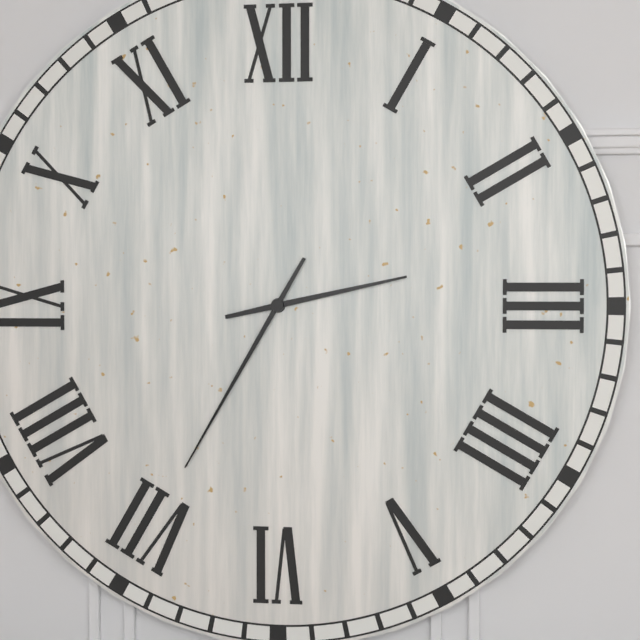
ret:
2:35
